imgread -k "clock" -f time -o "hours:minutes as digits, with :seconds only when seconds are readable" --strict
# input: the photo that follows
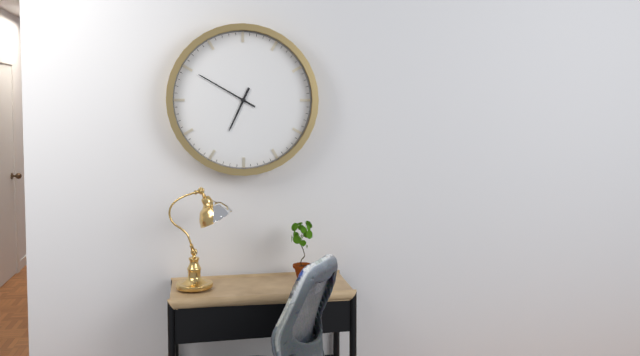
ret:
6:50
